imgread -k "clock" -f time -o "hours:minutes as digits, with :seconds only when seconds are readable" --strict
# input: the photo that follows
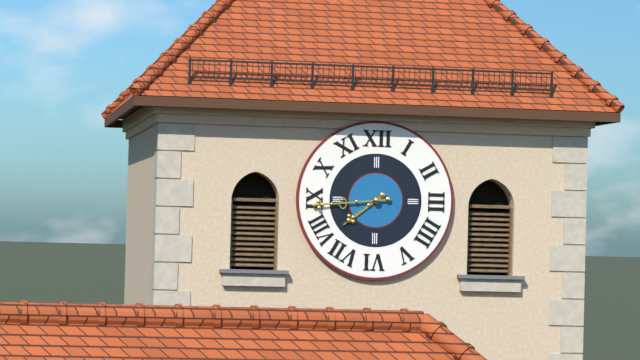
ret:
7:44
